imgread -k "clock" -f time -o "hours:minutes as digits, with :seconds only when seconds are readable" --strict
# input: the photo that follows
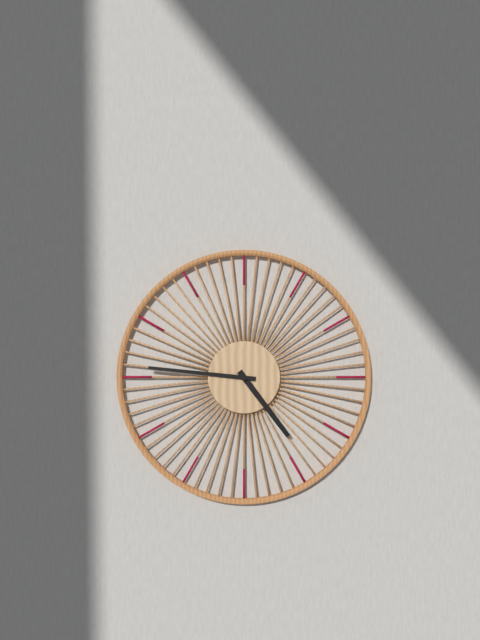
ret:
4:46
